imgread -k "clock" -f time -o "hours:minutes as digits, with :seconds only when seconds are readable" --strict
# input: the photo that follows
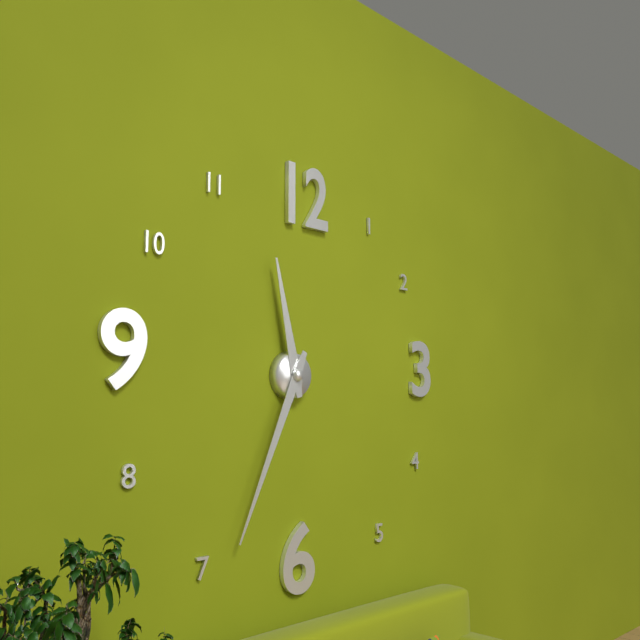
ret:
11:34
